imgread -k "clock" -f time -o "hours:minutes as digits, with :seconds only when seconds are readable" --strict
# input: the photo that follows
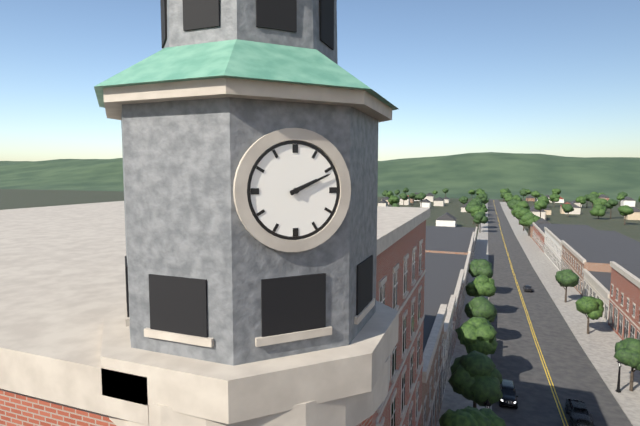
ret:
2:11
